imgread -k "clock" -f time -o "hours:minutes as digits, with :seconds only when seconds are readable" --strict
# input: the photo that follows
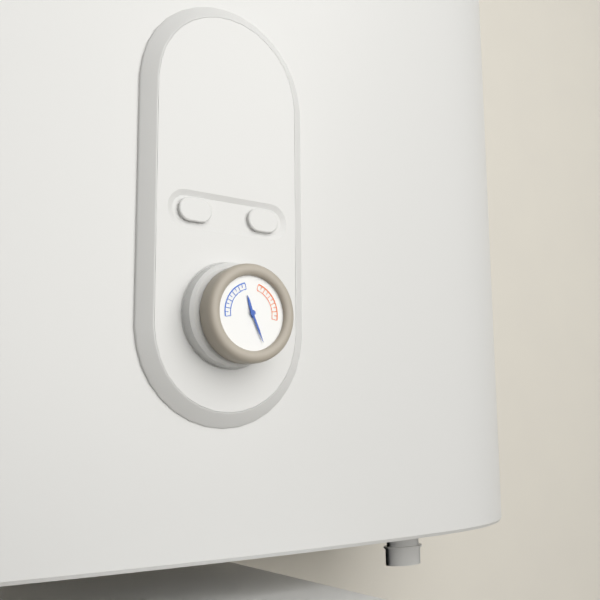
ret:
11:26
